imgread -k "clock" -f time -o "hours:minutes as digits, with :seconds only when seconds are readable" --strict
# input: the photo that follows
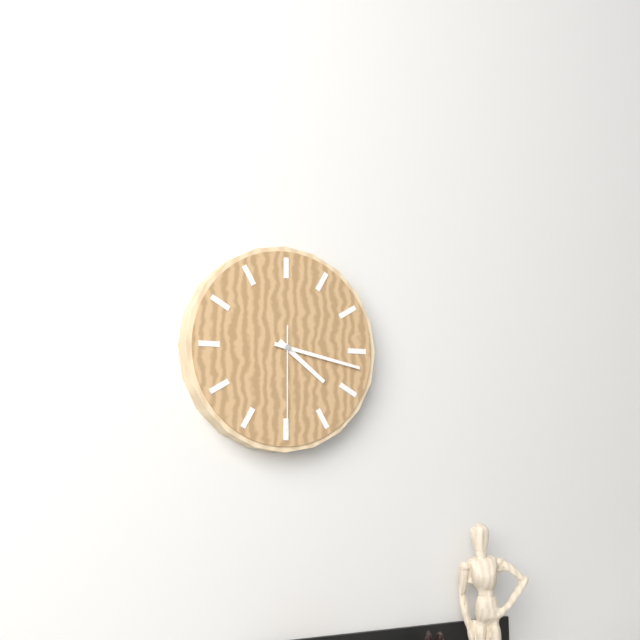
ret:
4:17:30
